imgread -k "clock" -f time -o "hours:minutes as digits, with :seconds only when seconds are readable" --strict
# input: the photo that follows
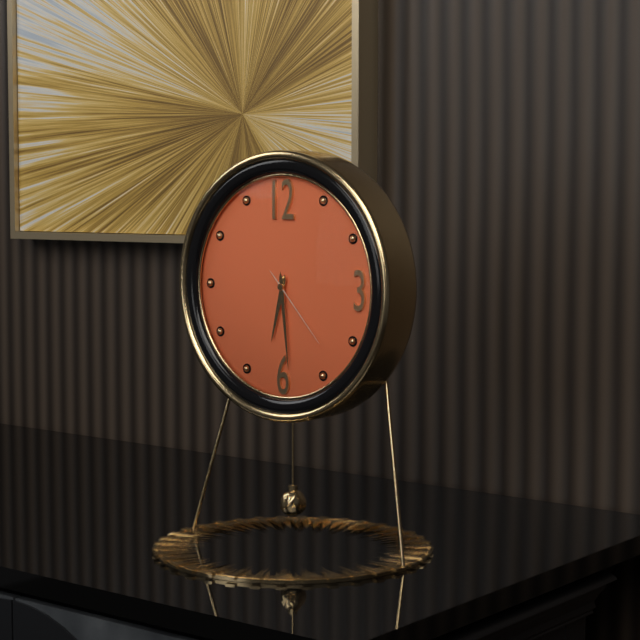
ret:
6:29:23
